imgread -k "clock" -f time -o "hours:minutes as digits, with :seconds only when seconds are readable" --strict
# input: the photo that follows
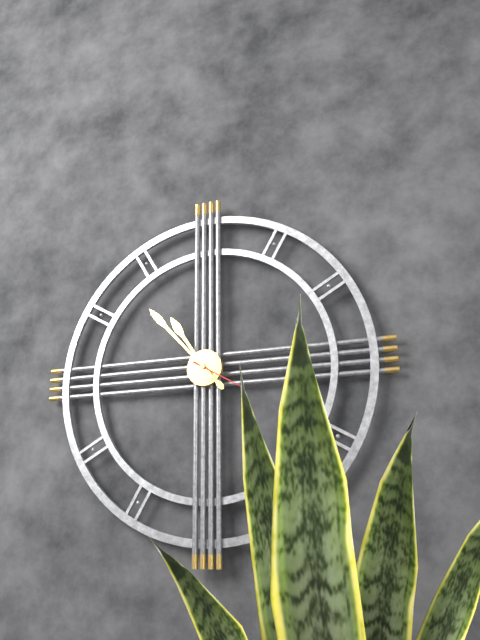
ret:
10:53:20
